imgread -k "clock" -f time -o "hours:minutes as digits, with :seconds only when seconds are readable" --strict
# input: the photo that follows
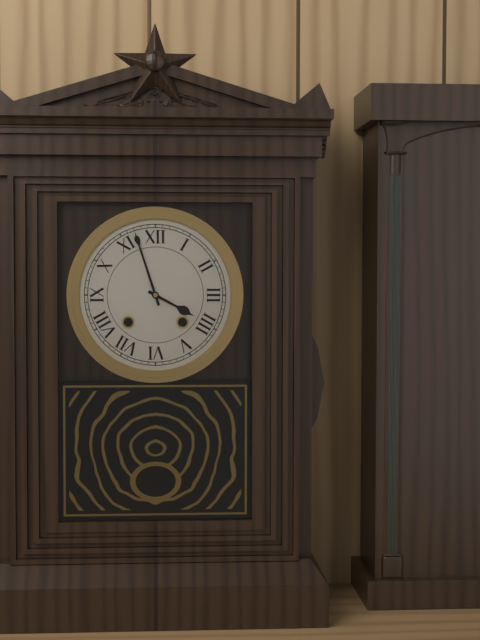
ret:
3:57
